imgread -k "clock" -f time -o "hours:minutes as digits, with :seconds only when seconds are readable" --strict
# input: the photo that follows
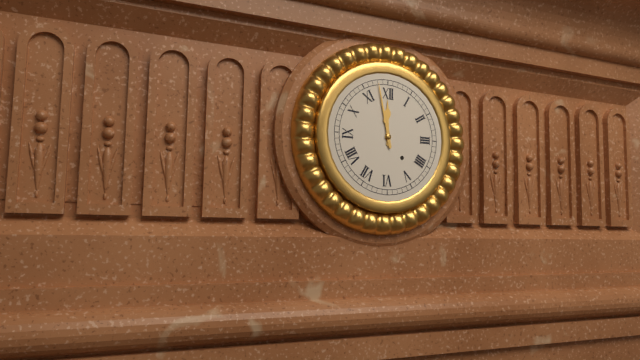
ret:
11:58
